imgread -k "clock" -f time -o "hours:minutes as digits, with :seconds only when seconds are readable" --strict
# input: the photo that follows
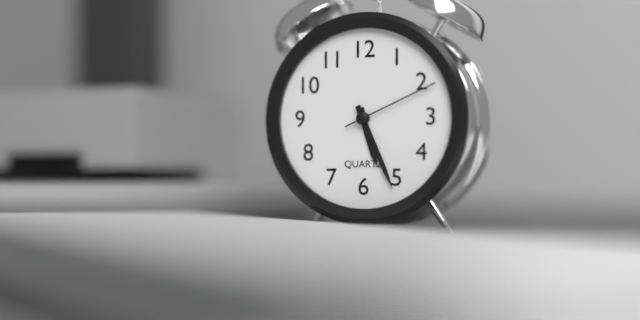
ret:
5:26:11
